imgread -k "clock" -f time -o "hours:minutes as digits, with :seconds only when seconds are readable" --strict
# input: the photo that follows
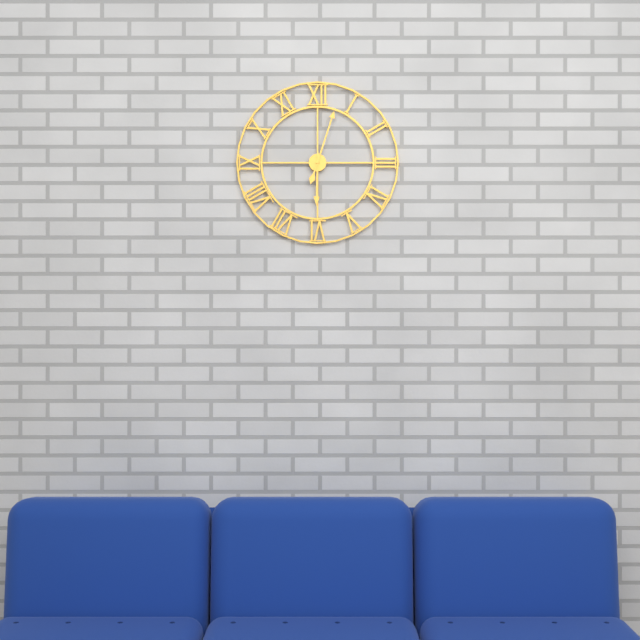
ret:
6:03
